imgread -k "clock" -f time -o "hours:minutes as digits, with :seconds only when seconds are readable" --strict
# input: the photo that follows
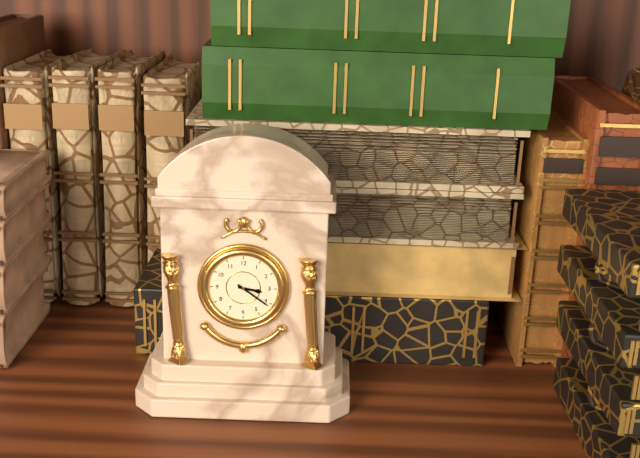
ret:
3:21
